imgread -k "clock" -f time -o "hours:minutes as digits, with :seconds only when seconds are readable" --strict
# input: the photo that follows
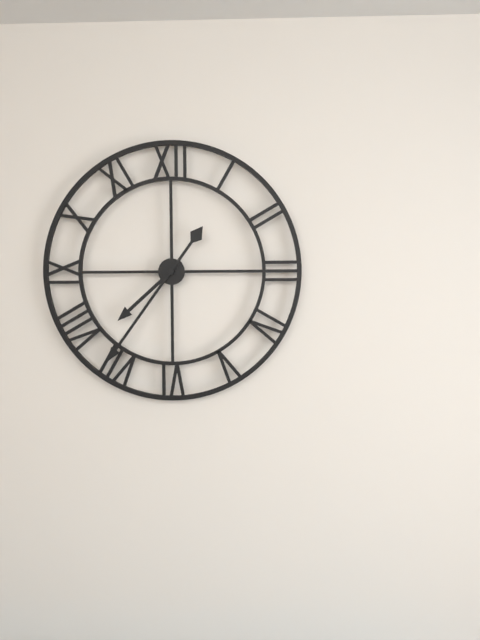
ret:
7:36
